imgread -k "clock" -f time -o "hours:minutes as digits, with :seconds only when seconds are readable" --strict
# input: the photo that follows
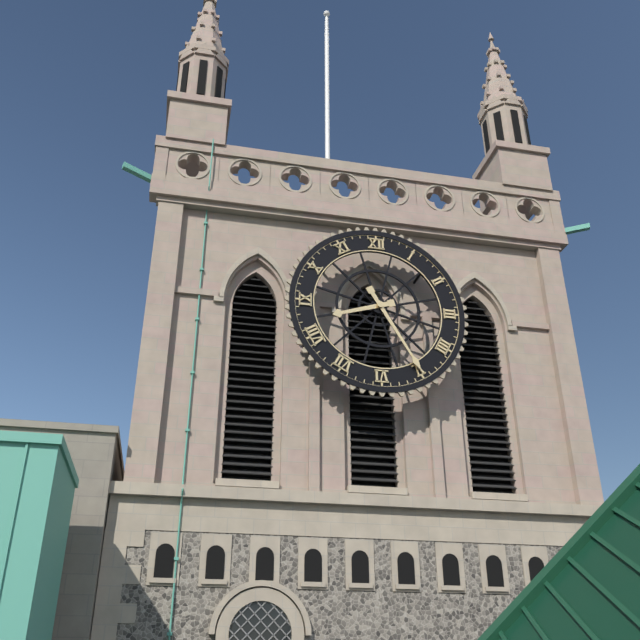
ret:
8:25
